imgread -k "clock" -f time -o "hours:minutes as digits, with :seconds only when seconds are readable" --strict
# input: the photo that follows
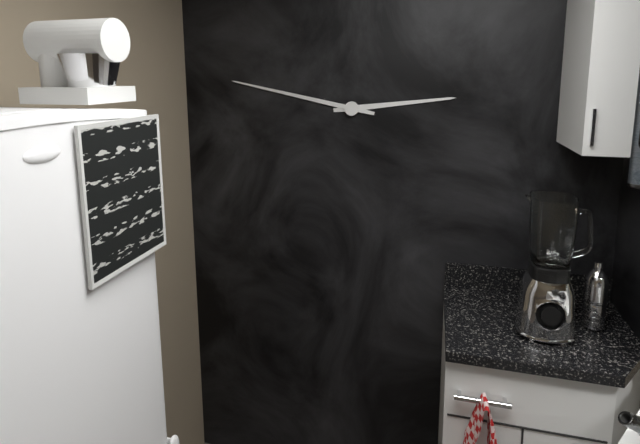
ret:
2:47
